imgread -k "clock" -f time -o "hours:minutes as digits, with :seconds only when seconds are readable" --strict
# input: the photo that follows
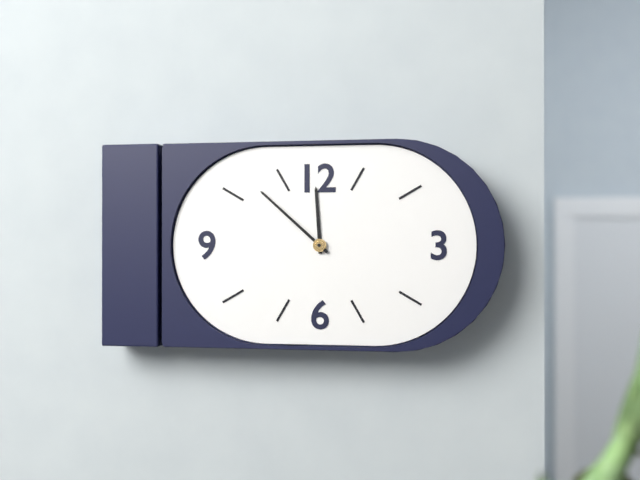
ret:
11:52
